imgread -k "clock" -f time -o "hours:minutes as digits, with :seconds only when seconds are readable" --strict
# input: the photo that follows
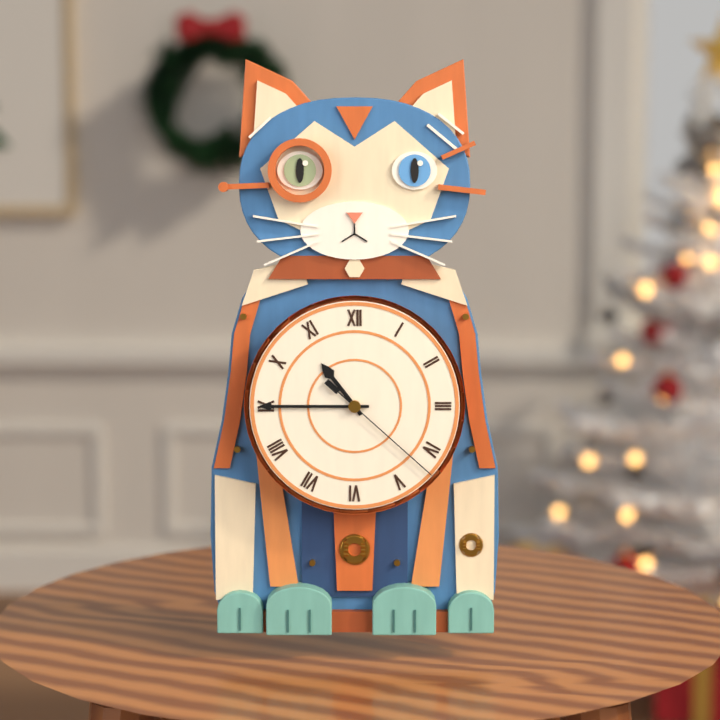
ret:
10:45:22
